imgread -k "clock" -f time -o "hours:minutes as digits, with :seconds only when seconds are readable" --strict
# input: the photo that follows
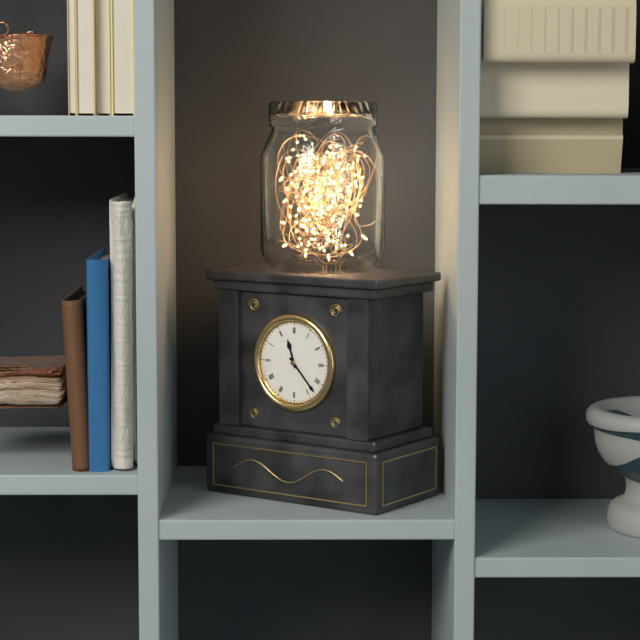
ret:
11:23
